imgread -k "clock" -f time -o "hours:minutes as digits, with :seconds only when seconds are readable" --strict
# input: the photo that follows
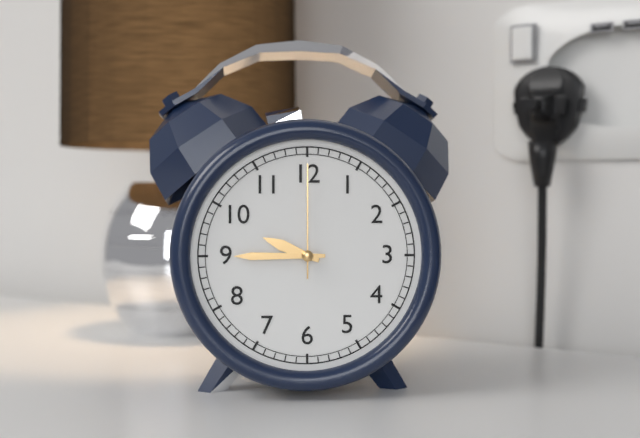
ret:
9:45:00
